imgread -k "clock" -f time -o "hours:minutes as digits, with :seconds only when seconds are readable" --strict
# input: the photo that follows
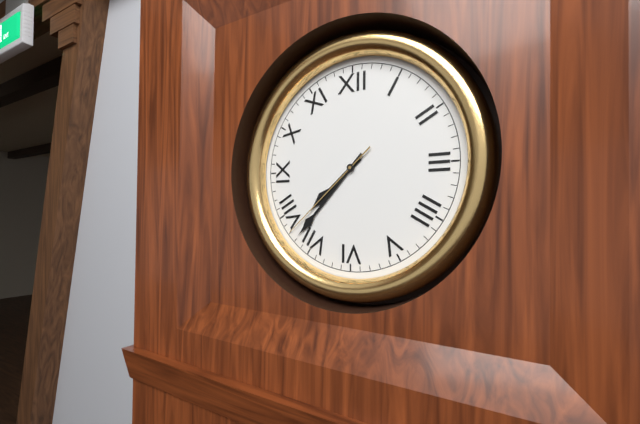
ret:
7:37:38
